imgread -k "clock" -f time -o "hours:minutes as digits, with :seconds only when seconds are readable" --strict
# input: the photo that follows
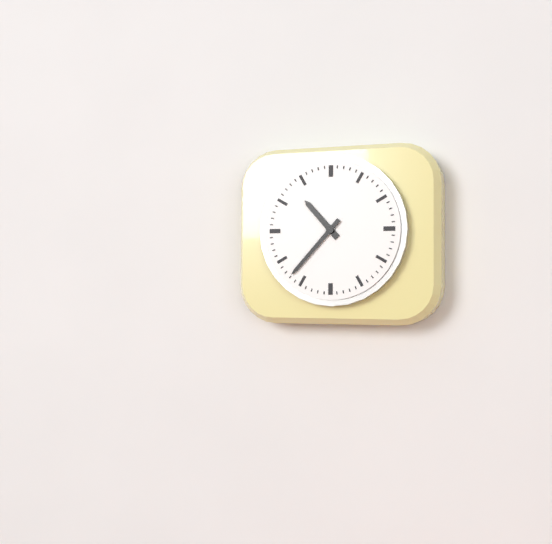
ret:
10:37
